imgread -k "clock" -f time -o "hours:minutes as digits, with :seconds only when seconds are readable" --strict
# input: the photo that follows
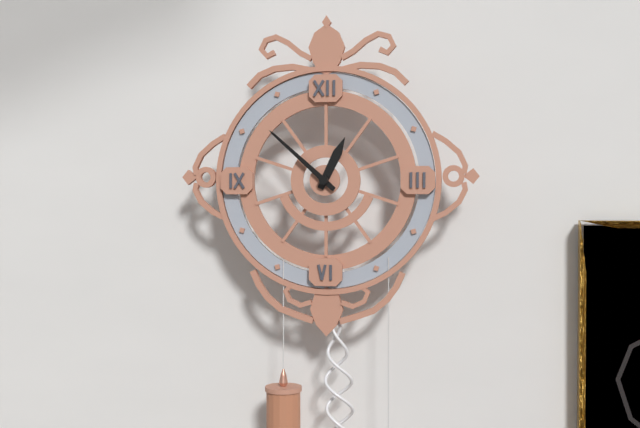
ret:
12:52
